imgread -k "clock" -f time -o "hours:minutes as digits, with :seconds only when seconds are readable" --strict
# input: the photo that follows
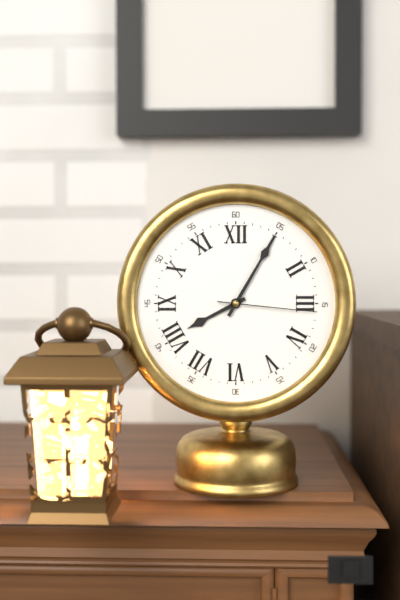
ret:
8:05:16
